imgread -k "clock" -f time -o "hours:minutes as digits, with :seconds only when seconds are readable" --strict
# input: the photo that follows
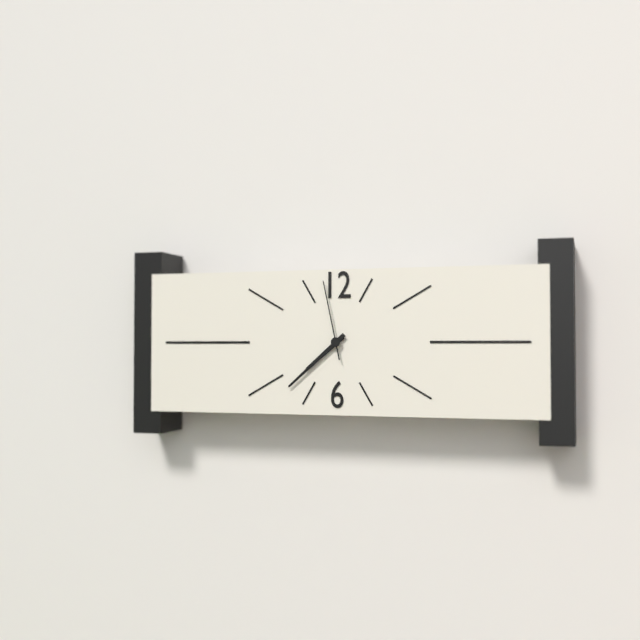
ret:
7:38:58
